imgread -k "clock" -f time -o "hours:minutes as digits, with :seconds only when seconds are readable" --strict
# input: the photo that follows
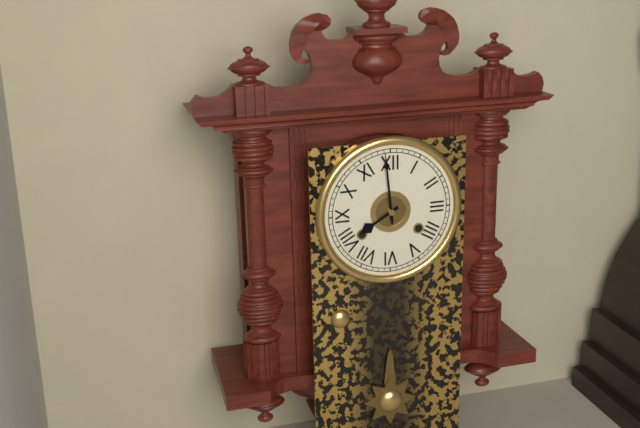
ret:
7:59
